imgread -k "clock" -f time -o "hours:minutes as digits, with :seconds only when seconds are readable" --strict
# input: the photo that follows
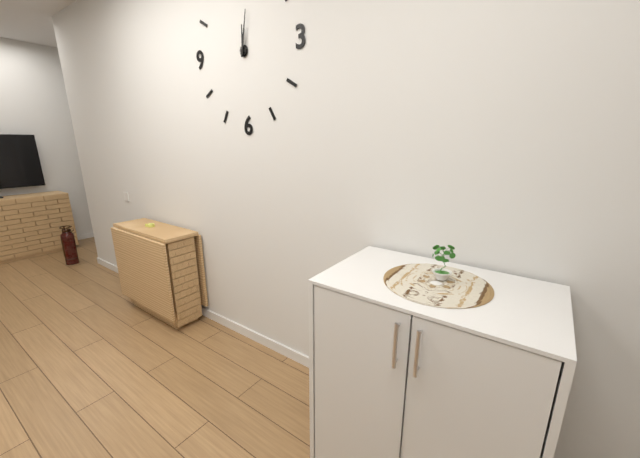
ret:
12:02
